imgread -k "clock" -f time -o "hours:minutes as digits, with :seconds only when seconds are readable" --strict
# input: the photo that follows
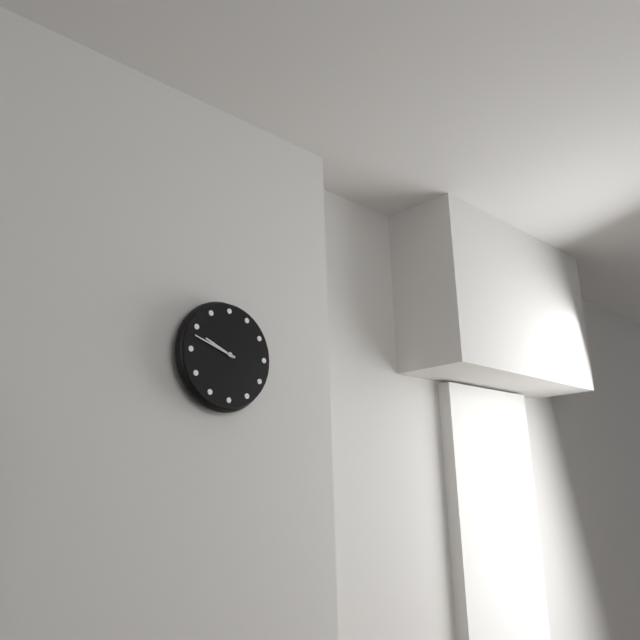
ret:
9:48
